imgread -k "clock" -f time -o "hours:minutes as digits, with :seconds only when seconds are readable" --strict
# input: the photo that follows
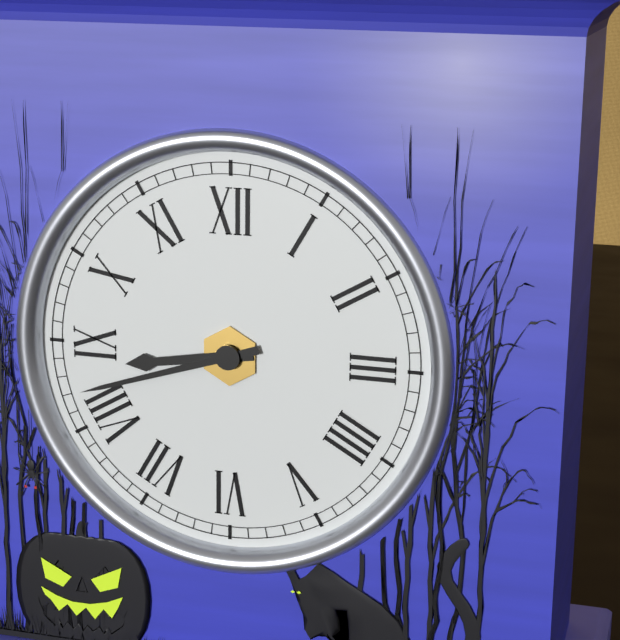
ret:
8:42
